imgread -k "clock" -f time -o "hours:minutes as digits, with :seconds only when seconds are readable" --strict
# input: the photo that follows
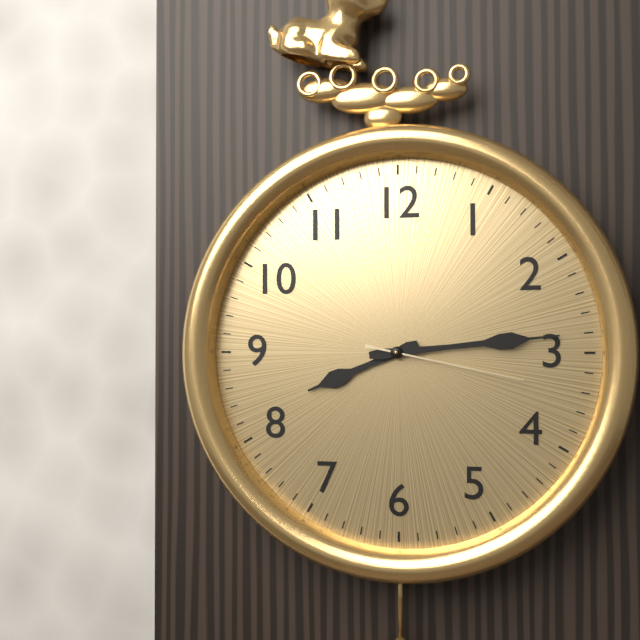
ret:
8:14:17
